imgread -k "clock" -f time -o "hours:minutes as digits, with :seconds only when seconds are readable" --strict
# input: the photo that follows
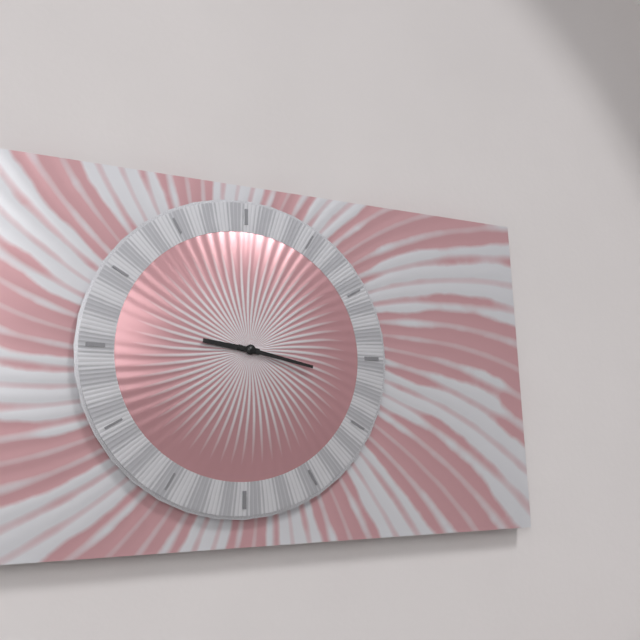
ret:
9:17
